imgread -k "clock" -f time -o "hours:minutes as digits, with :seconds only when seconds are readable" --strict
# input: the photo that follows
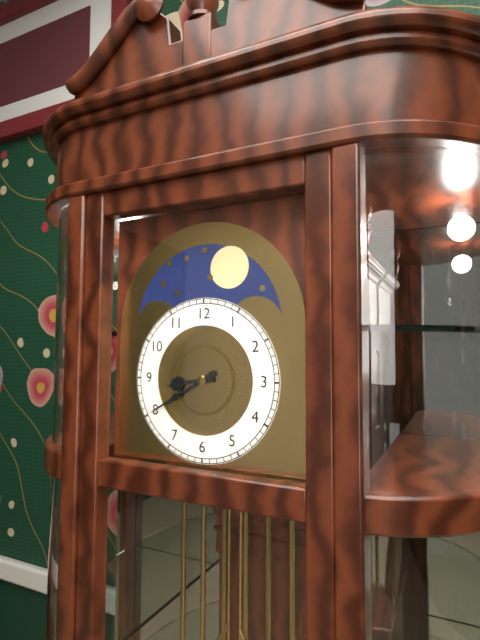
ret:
8:40
